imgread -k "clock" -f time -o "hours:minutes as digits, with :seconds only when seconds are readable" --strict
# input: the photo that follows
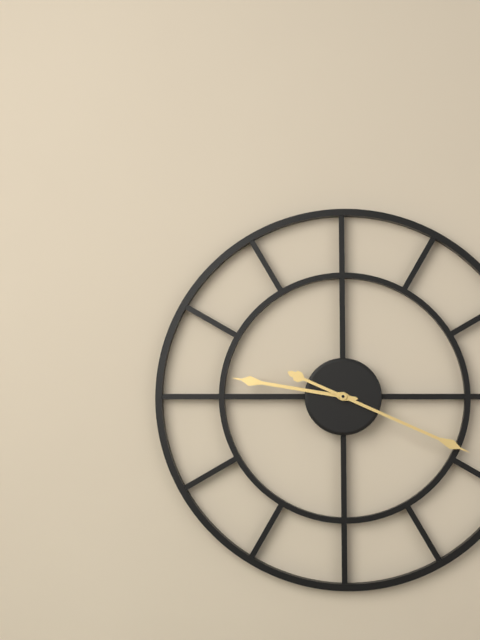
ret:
9:19
